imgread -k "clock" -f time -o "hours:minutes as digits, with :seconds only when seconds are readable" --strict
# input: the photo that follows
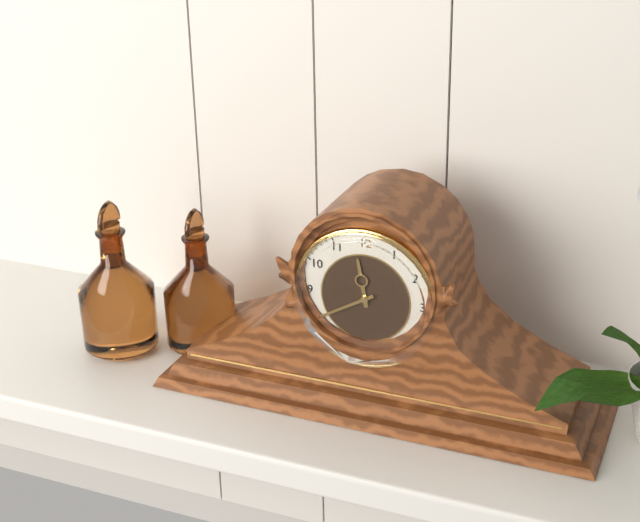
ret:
11:40
